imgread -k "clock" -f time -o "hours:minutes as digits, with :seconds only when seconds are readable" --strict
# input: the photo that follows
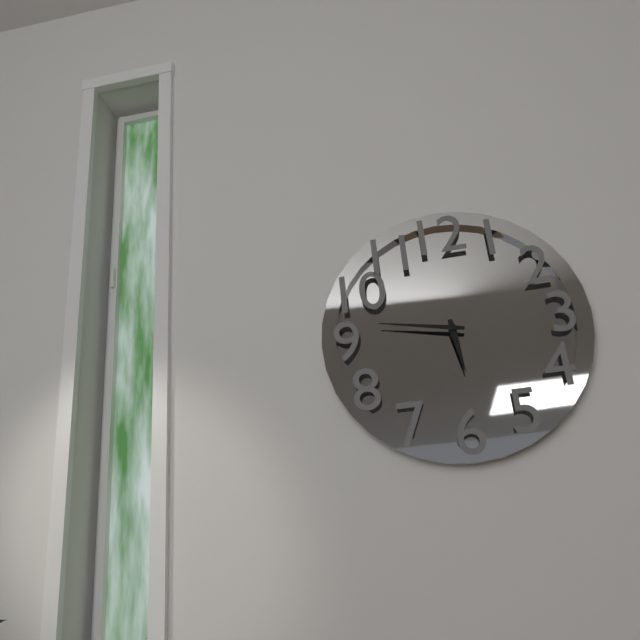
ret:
5:47
